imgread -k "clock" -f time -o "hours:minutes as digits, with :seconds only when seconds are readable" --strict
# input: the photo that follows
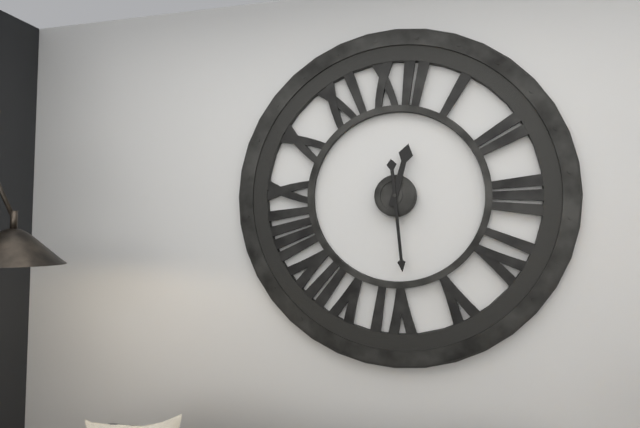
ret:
12:29
